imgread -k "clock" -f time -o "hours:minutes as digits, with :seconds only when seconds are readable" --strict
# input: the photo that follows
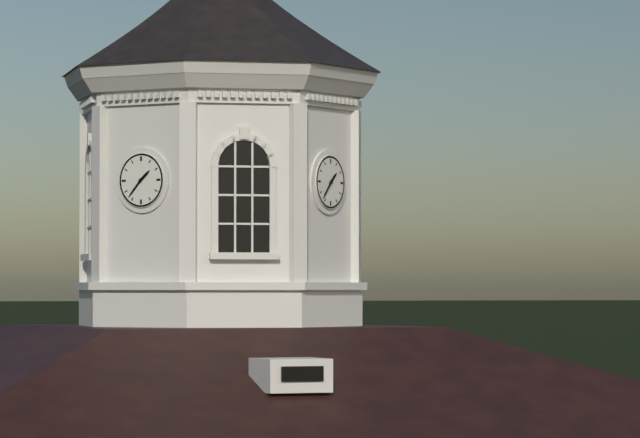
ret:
1:37
